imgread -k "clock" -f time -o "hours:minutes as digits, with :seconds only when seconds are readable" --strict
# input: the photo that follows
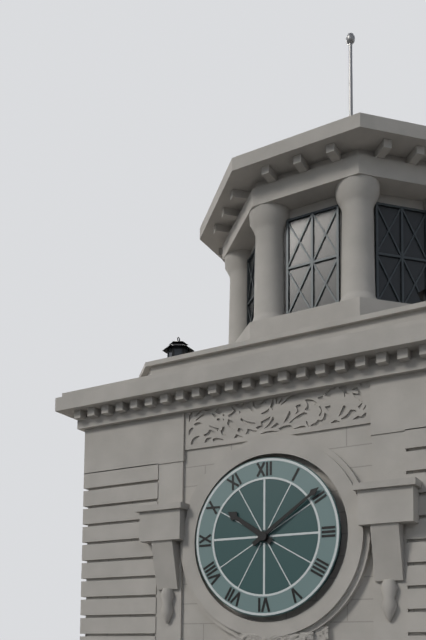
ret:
10:09
